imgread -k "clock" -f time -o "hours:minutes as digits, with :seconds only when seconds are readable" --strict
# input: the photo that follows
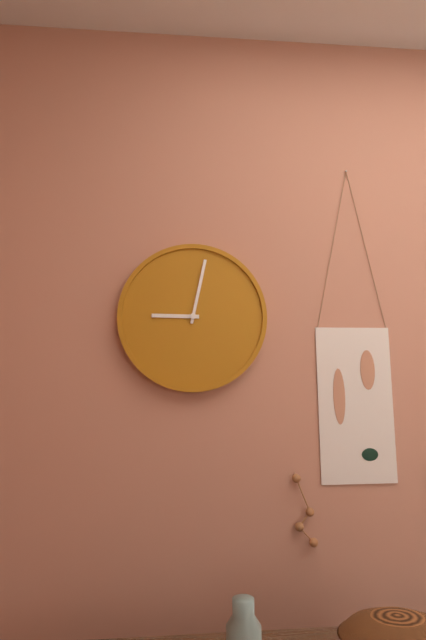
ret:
9:02
